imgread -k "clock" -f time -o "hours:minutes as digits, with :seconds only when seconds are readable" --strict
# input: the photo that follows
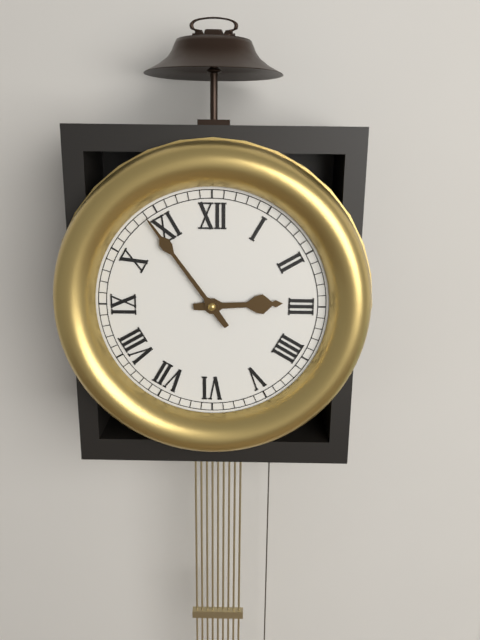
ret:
2:54
